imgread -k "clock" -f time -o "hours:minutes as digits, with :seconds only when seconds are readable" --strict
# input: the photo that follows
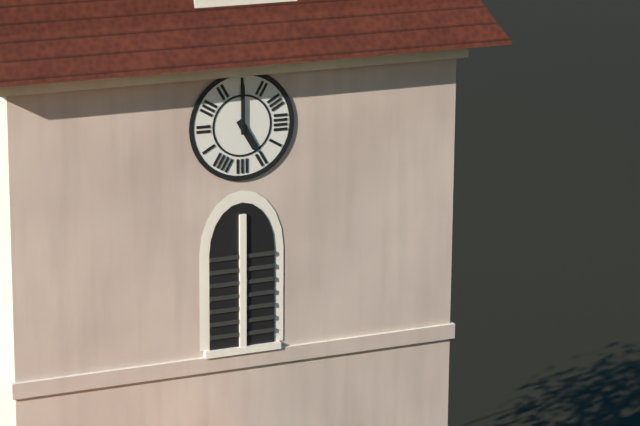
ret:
5:00
